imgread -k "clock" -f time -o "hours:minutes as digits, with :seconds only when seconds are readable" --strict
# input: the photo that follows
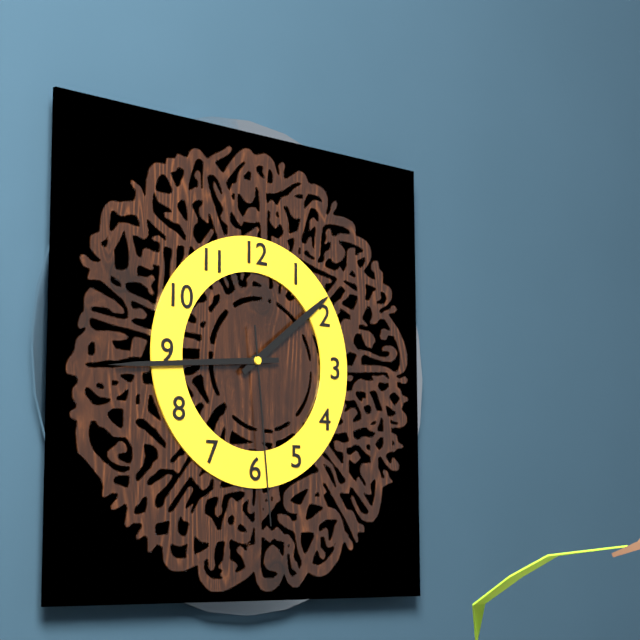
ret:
1:44:29
